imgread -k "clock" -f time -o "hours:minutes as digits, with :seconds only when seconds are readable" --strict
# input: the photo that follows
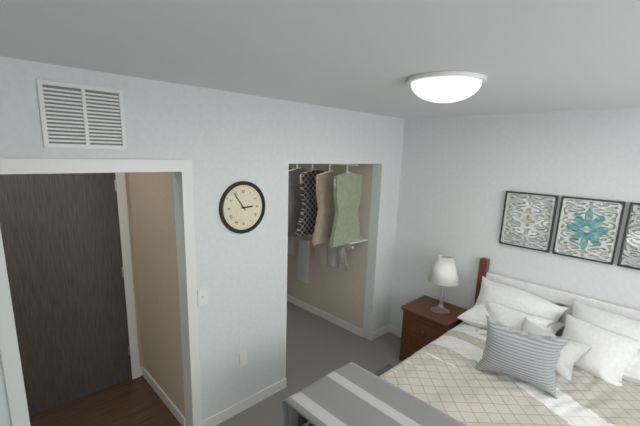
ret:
2:54
